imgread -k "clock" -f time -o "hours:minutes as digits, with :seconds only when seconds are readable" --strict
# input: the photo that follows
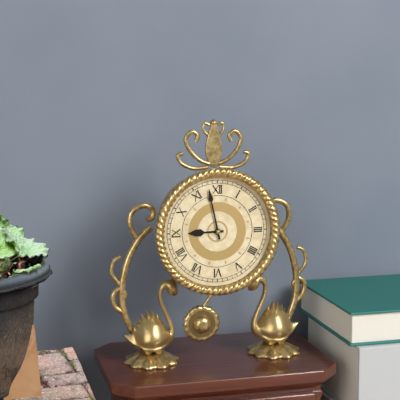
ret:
8:58
